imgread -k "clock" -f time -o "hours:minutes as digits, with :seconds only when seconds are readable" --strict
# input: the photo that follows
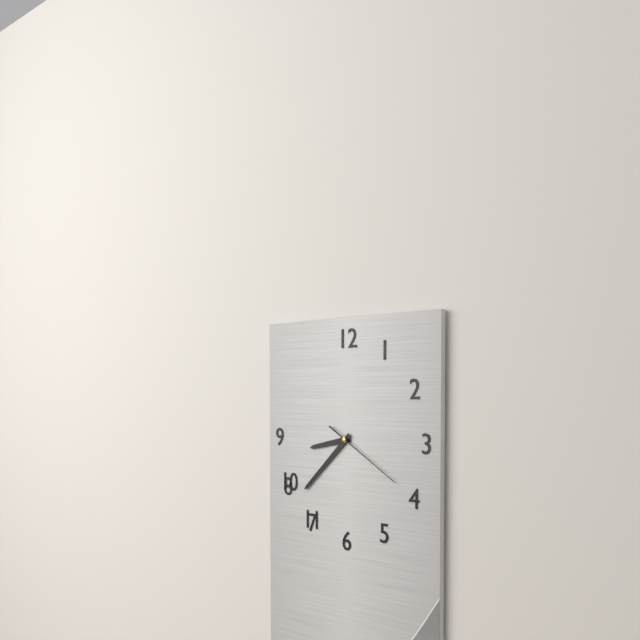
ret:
8:38:20
